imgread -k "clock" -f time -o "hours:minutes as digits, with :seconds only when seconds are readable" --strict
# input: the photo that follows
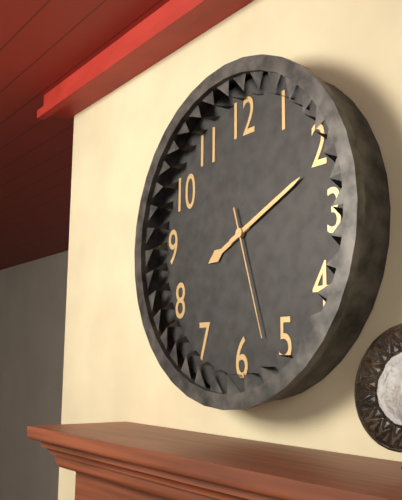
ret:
8:11:27
